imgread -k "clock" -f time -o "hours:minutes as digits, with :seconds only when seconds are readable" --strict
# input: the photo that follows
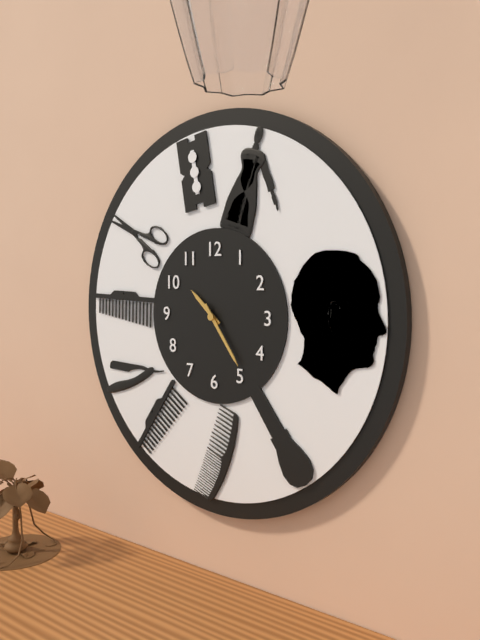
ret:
10:24
